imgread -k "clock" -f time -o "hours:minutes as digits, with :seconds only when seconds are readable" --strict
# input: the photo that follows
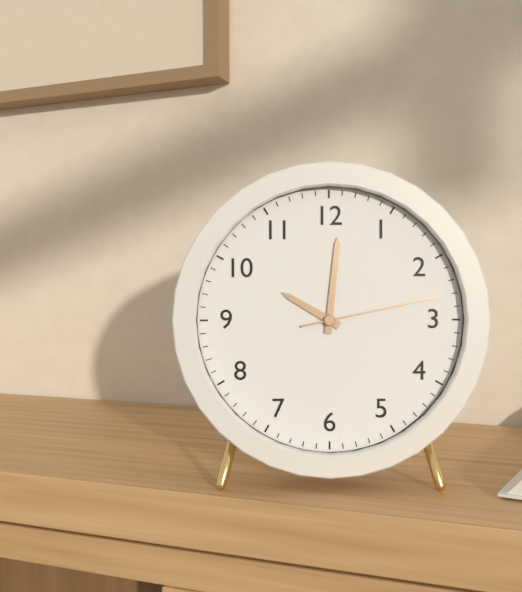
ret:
10:01:13
